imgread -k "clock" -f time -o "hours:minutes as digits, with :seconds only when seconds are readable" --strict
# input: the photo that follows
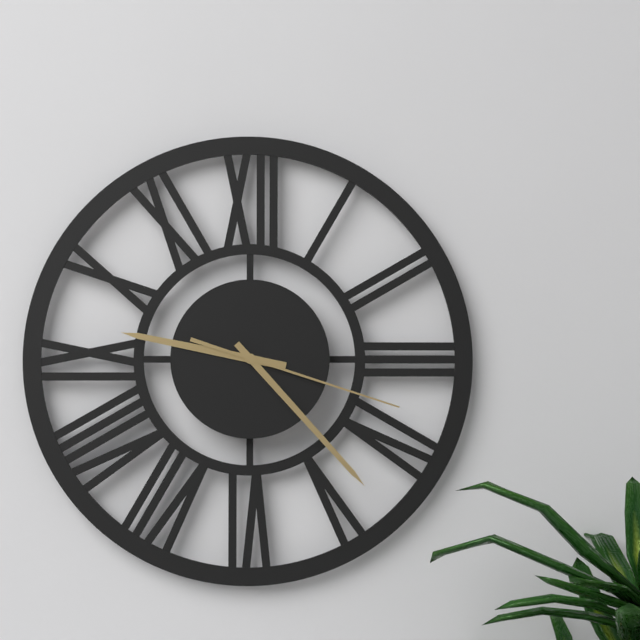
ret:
9:23:18
